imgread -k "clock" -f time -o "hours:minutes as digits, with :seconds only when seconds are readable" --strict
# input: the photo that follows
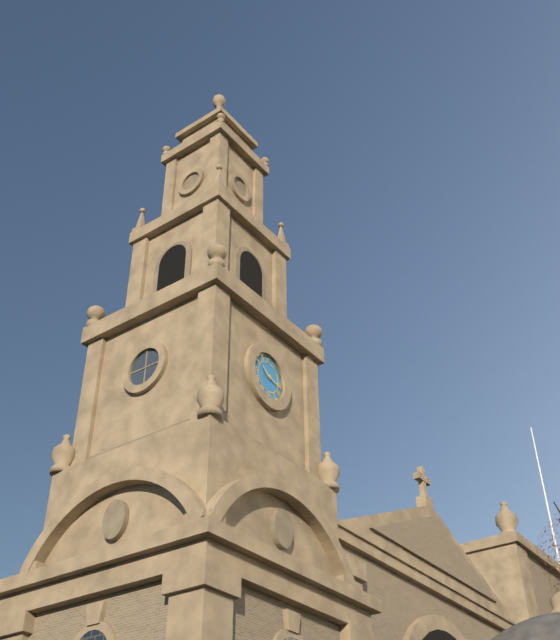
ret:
10:17
